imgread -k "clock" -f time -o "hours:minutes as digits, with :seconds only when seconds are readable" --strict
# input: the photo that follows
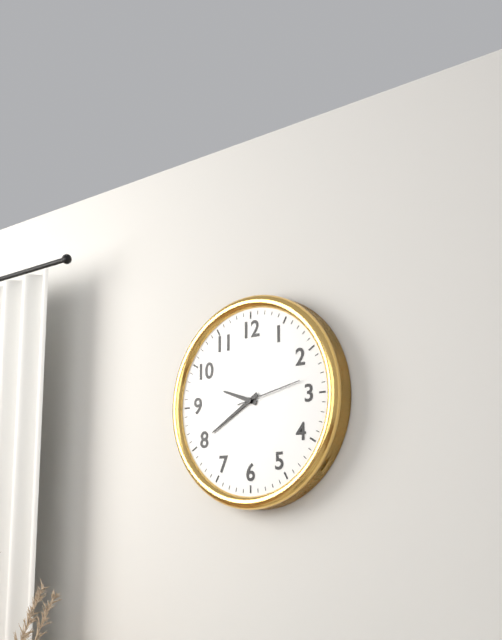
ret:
9:40:13
